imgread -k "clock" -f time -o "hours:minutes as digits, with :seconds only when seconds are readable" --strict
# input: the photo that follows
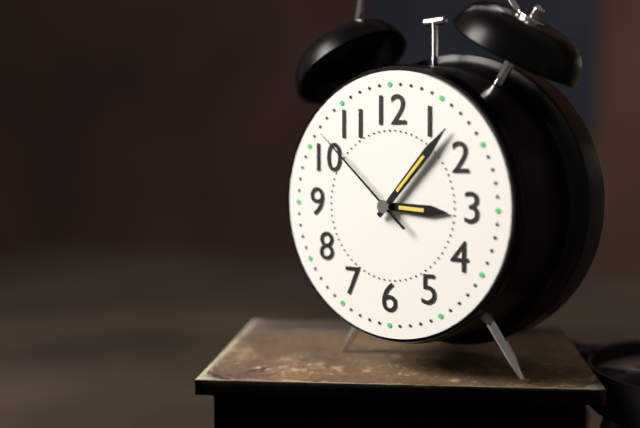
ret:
3:07:52
